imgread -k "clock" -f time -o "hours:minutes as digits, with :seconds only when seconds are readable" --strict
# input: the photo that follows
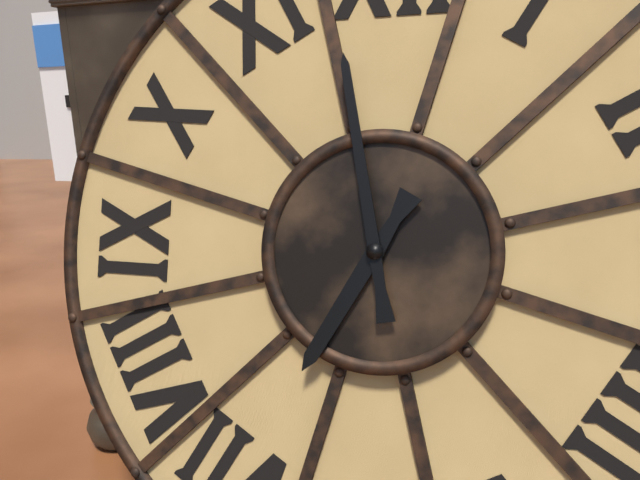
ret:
6:58
